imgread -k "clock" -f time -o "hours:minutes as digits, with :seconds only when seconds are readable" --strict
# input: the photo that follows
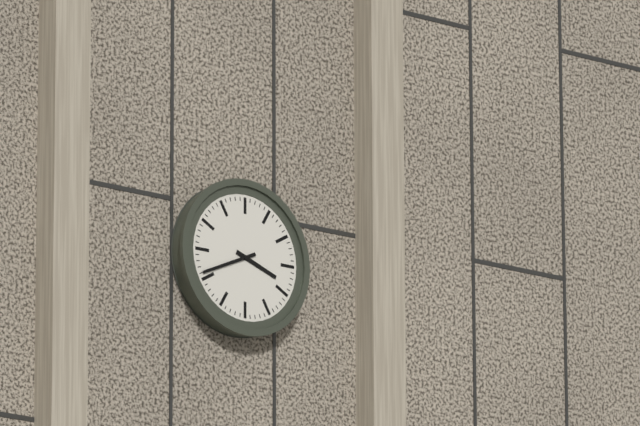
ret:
3:41
